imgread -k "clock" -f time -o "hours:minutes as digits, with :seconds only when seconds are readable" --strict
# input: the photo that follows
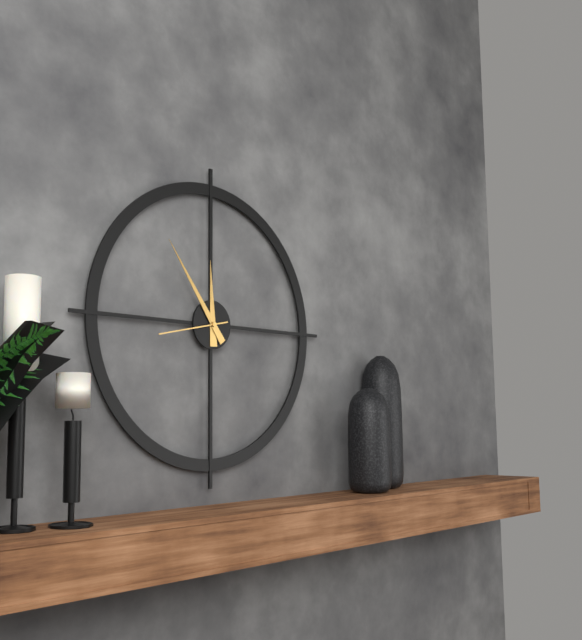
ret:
11:54:43
